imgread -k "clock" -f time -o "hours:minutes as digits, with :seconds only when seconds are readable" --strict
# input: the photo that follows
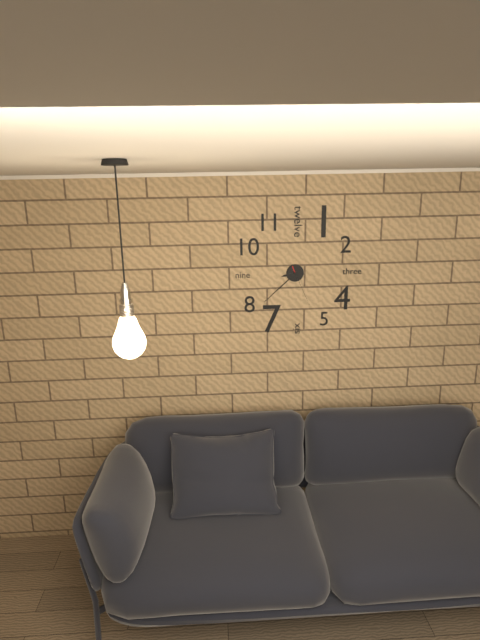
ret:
8:38
